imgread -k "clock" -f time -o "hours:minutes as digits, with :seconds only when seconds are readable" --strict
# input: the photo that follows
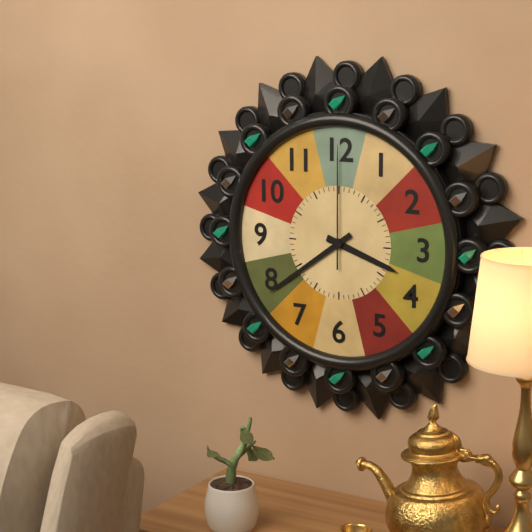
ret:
3:39:00
